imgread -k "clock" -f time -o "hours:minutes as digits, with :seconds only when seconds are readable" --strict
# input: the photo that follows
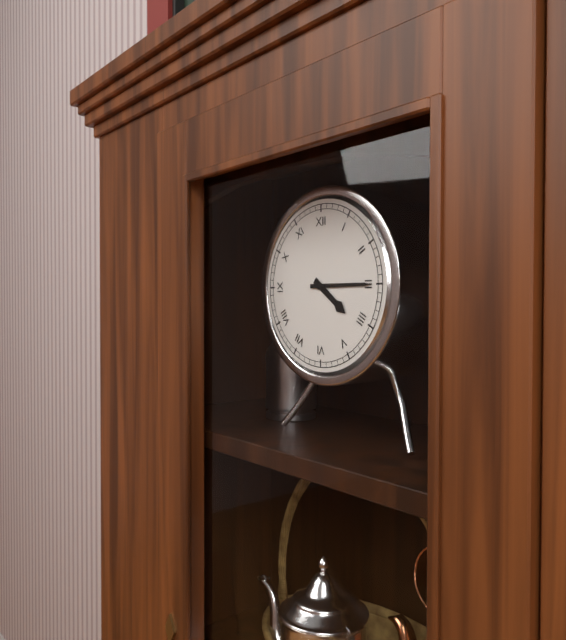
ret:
4:15
